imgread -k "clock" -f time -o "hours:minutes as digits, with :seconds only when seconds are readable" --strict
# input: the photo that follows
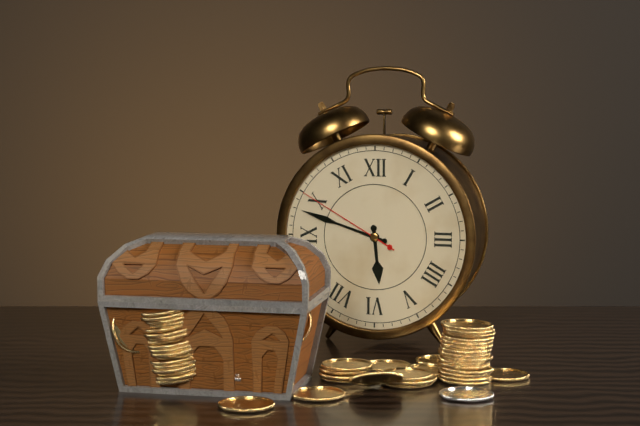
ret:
5:48:50
